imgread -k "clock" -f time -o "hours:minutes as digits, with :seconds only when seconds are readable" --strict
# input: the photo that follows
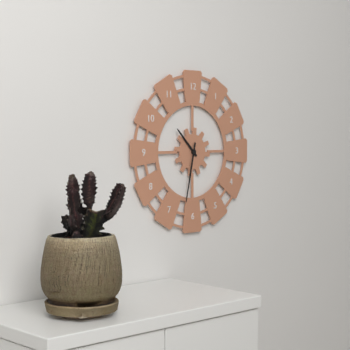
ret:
10:32
